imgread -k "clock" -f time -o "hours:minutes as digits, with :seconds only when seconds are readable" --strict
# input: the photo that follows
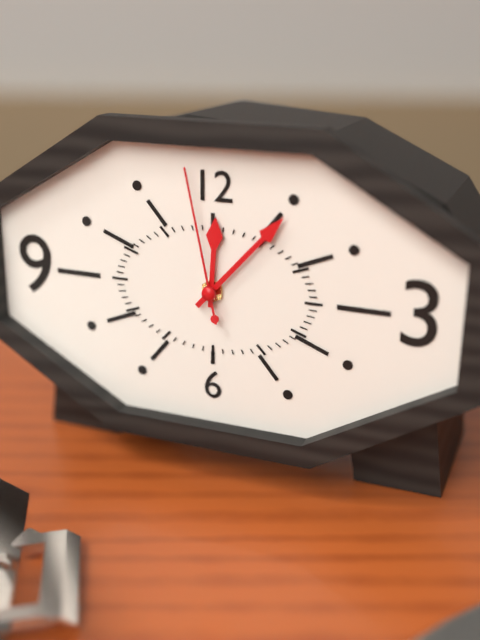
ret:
12:07:58
